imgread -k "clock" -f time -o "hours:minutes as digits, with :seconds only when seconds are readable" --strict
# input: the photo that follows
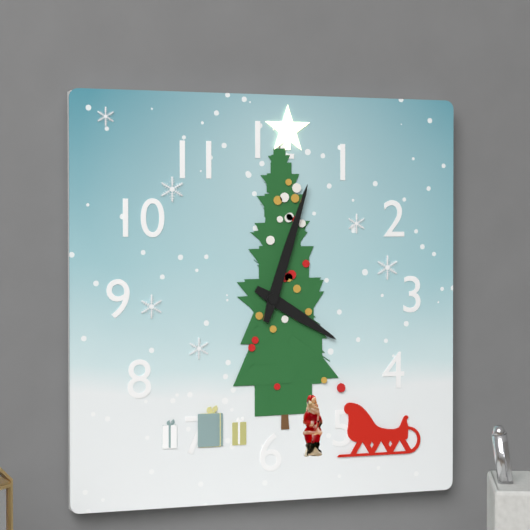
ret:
4:03
